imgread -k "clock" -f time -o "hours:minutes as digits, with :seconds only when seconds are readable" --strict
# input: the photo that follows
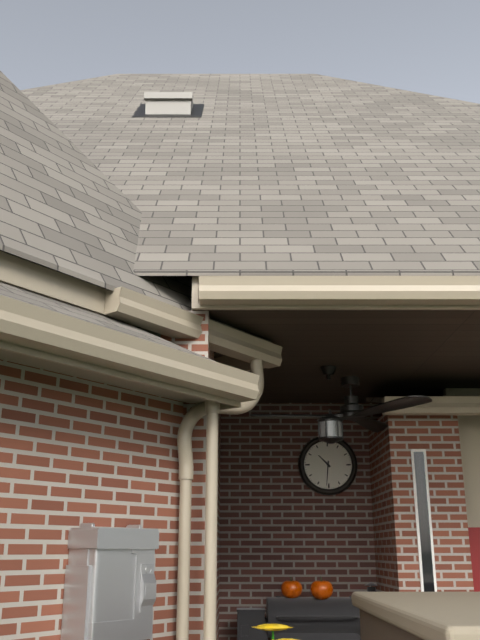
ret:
10:31
